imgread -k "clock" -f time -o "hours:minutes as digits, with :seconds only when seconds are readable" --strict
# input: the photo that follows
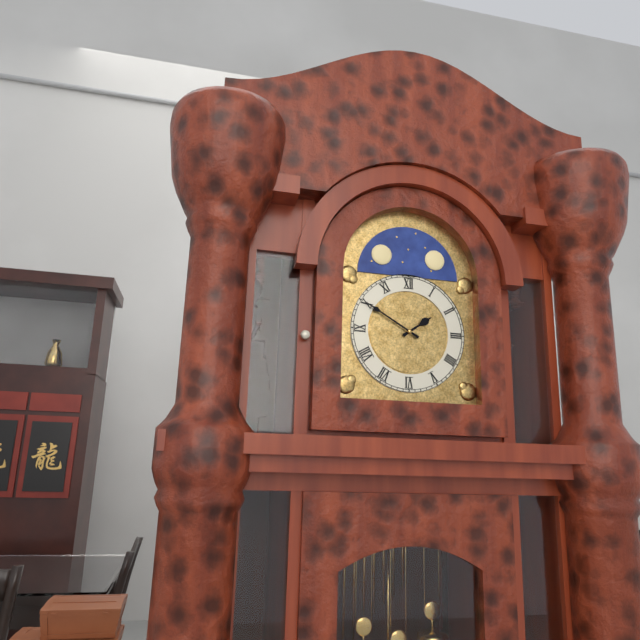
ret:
1:50
